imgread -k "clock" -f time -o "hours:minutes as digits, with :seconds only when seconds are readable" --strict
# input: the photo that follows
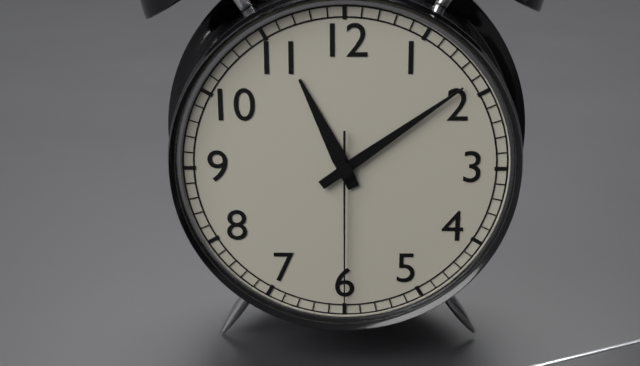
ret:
11:09:30
